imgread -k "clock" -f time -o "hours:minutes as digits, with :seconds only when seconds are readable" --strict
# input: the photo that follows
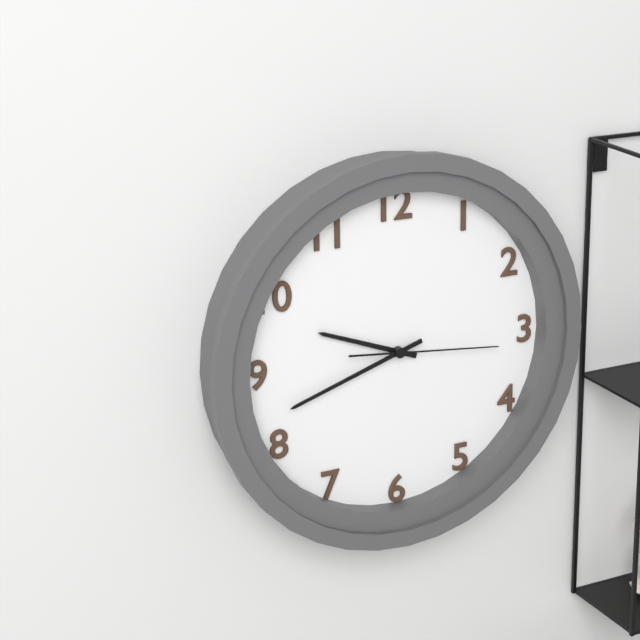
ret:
9:42:16
